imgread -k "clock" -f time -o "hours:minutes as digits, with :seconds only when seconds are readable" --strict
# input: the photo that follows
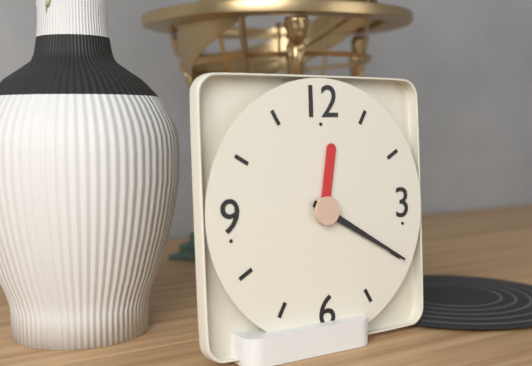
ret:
12:20
